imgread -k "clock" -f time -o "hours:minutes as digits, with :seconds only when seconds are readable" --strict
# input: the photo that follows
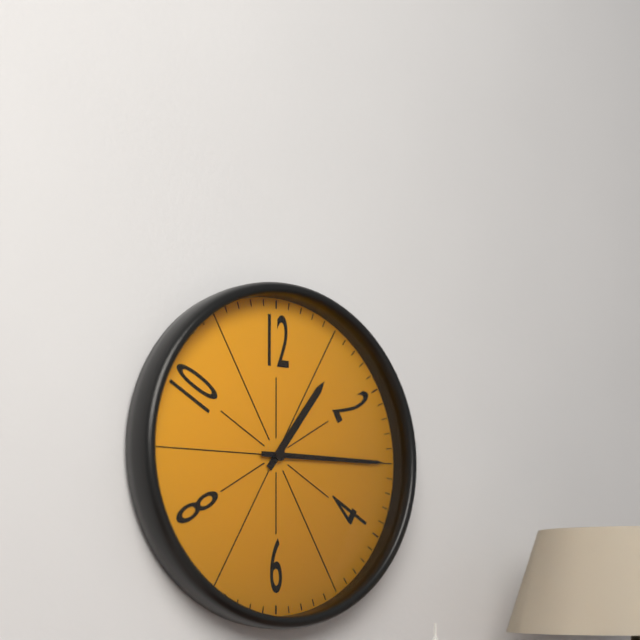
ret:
1:15
